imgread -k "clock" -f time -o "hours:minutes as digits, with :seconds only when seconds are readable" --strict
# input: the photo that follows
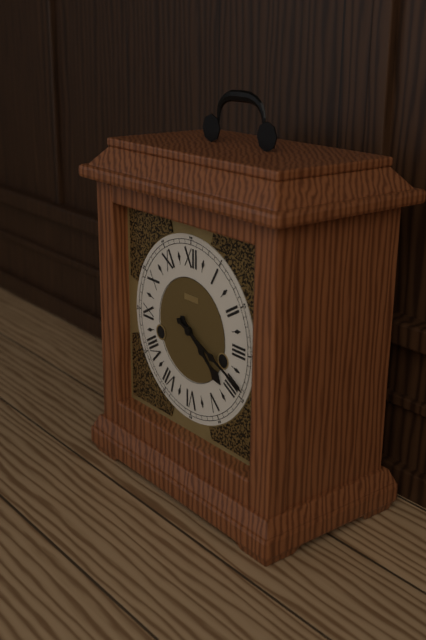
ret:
4:19
